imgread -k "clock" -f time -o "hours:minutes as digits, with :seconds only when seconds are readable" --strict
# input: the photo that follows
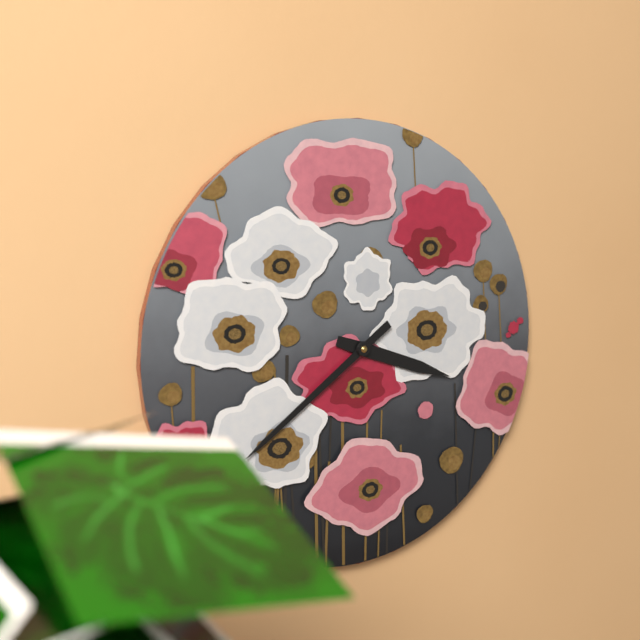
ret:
3:39
